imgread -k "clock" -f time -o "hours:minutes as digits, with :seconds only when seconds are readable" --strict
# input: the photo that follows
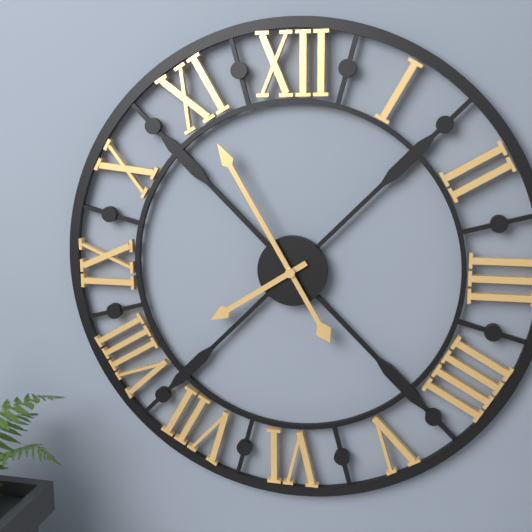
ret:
7:55
